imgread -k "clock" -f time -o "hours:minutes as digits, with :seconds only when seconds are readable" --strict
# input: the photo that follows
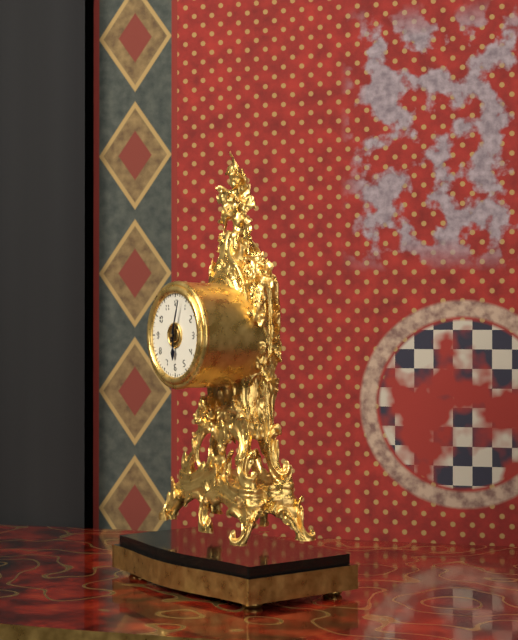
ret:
6:03
